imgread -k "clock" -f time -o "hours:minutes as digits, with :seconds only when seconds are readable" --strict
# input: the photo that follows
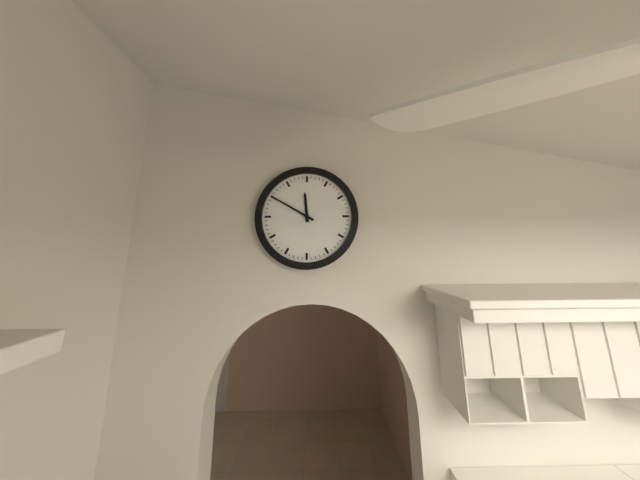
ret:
11:50
